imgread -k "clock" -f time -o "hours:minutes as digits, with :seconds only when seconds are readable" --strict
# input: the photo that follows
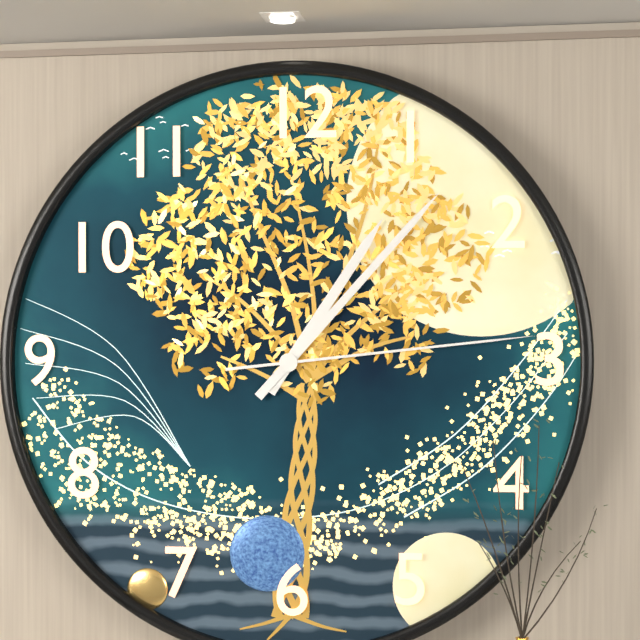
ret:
1:07:14
